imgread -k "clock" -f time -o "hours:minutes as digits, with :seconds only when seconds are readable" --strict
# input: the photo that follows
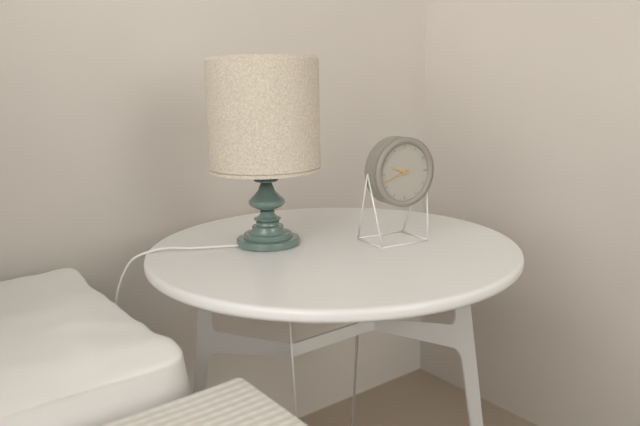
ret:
9:42
